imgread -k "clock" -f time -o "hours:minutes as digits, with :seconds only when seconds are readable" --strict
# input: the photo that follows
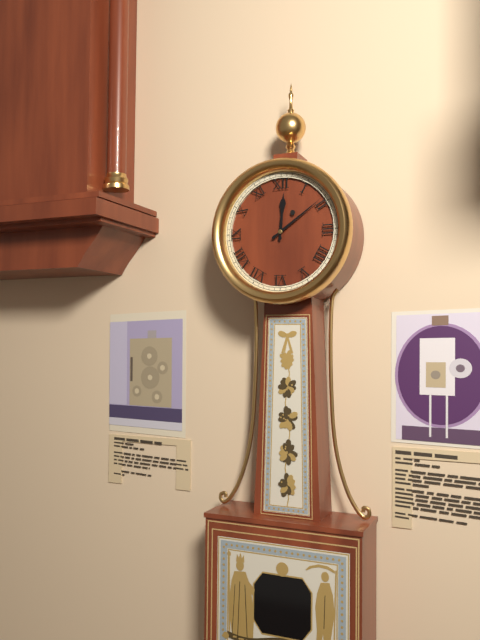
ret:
12:09
